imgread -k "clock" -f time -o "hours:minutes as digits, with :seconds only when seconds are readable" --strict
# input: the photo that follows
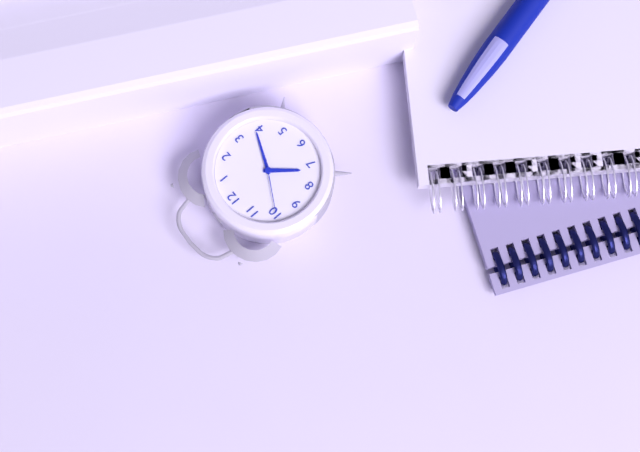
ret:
7:19:50
